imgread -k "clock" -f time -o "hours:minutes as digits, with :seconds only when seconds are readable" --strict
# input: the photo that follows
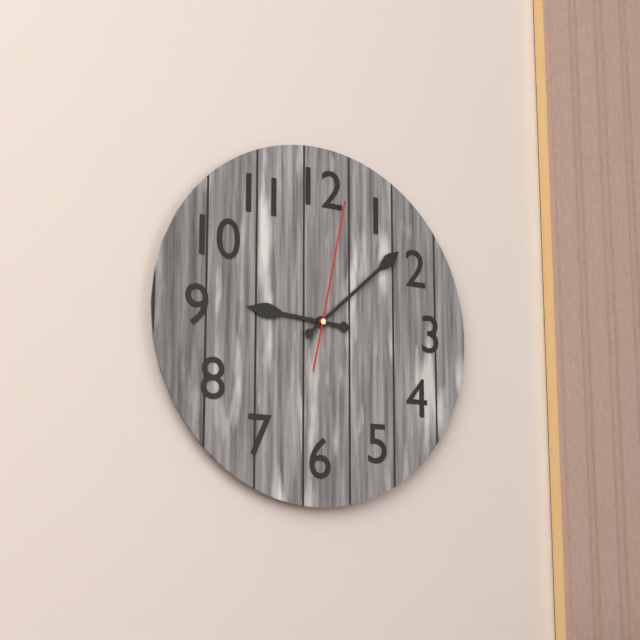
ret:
9:08:02
